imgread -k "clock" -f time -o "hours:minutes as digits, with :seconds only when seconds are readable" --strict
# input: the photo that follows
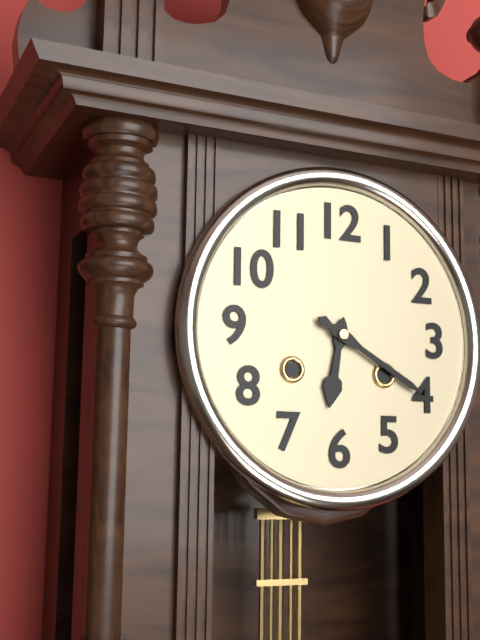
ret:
6:20
